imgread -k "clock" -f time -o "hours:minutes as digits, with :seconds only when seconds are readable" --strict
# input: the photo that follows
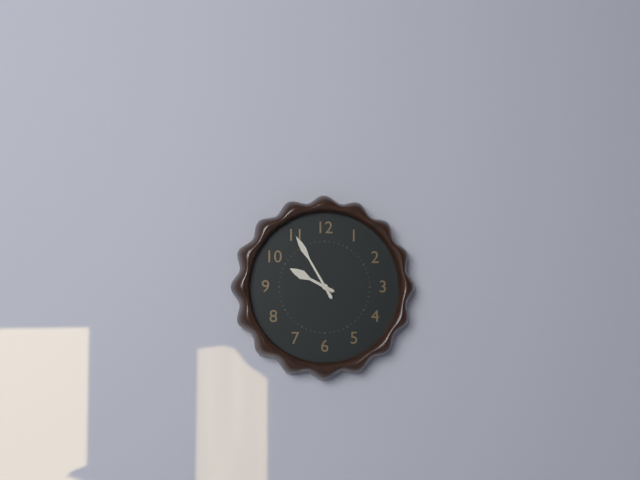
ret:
9:55
